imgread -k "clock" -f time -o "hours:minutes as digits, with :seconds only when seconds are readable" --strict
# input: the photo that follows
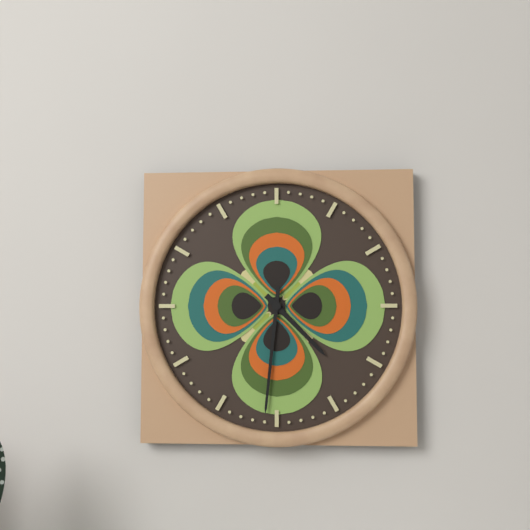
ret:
4:31
